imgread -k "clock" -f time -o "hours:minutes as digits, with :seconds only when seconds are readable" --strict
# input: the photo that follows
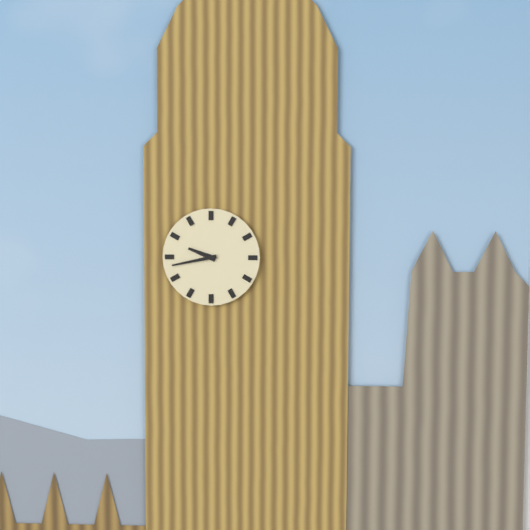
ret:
9:43
